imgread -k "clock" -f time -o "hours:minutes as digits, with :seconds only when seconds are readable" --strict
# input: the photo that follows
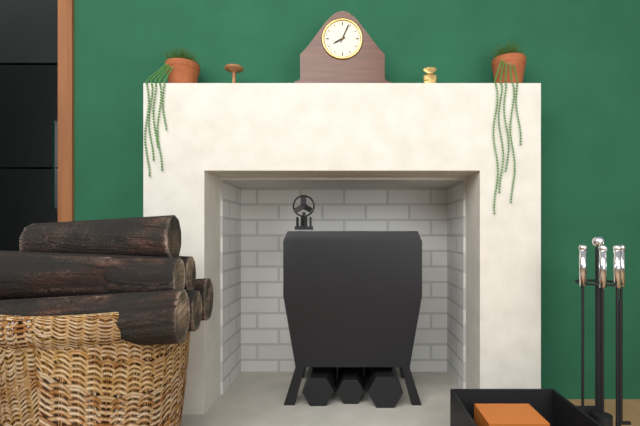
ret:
8:04
